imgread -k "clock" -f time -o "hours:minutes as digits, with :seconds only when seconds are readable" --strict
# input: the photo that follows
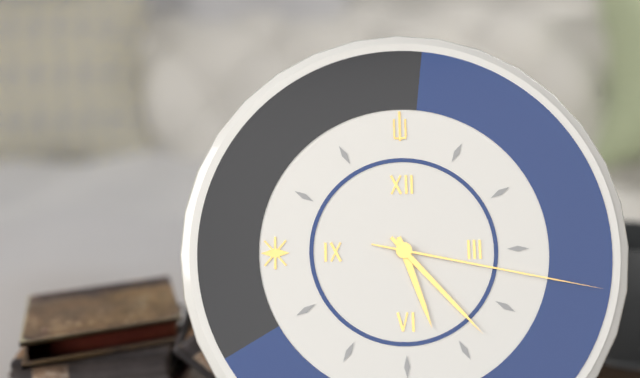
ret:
5:23:17
